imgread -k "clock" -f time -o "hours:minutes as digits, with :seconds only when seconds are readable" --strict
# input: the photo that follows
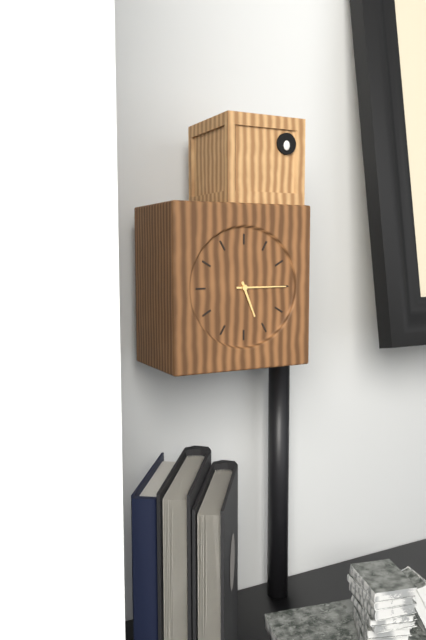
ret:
5:15
